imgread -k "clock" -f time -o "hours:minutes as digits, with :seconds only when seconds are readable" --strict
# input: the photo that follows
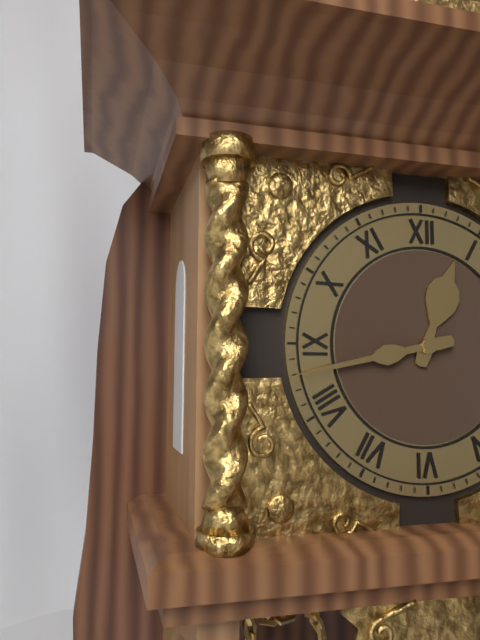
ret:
12:43
